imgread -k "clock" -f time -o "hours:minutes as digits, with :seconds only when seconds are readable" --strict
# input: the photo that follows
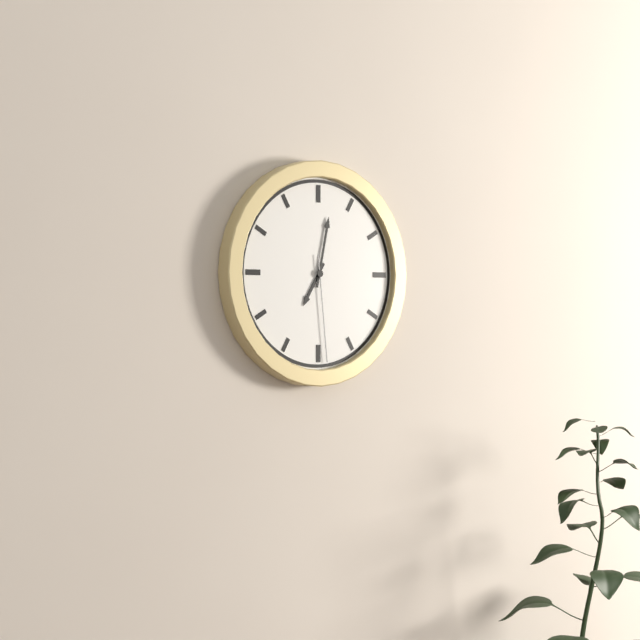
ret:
7:02:29
